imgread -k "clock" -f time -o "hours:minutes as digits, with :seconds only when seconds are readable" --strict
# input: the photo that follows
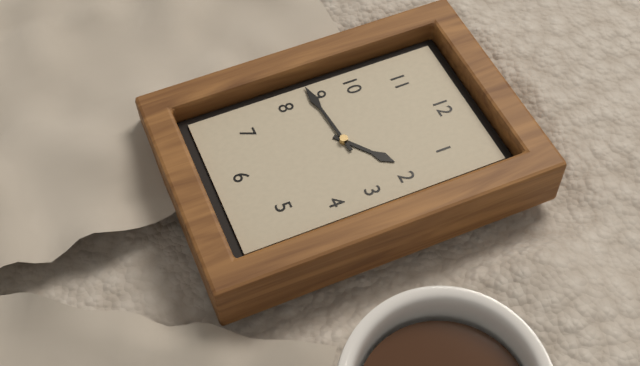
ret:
1:44
